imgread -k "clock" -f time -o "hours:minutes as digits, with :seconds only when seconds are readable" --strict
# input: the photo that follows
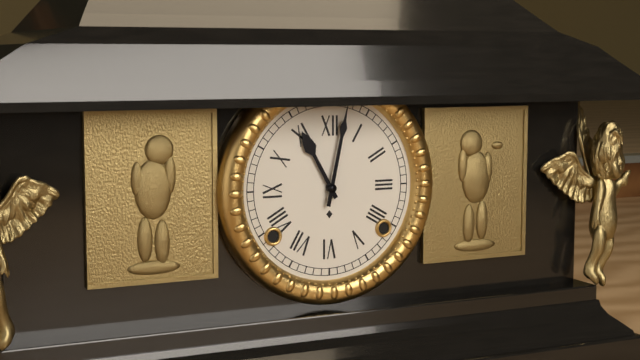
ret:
11:02
